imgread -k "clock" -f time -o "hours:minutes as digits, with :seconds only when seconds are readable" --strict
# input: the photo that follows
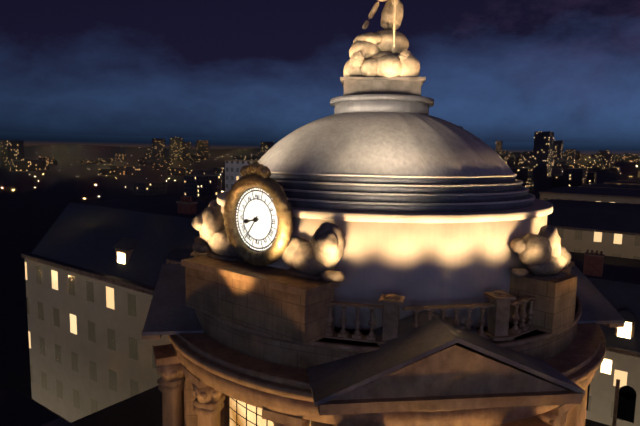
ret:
8:36
